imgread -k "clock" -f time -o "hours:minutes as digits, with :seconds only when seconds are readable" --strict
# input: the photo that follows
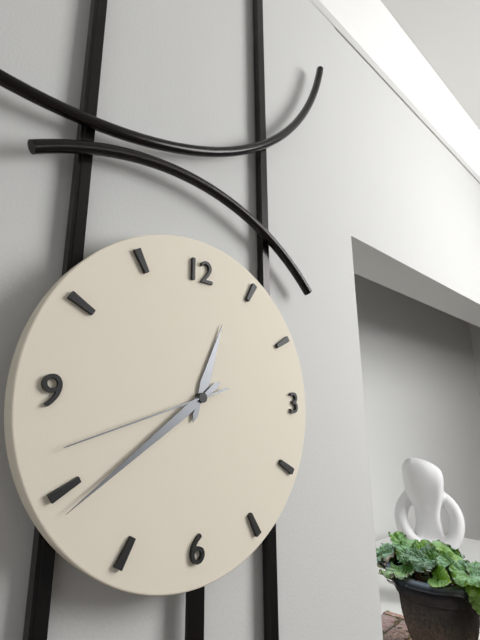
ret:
12:39:42
